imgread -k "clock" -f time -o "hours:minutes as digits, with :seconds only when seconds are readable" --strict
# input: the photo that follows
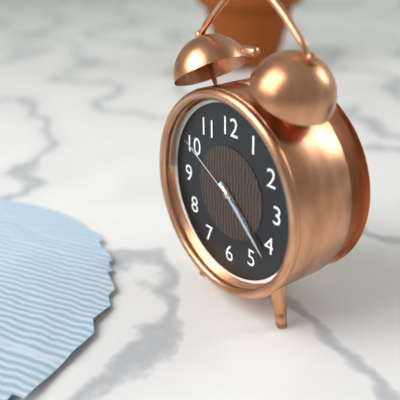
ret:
4:22:50
